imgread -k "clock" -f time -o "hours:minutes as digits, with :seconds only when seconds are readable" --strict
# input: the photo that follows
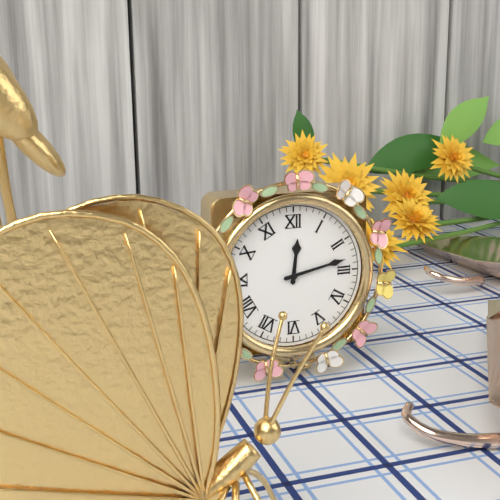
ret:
12:13
